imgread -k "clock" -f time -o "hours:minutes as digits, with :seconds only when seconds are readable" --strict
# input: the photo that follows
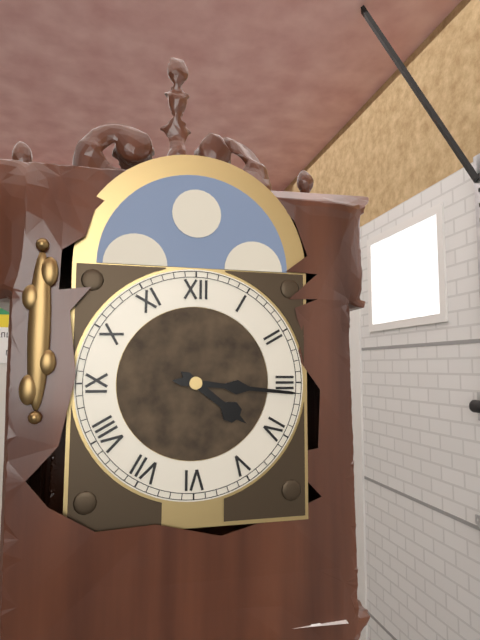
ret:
4:16
